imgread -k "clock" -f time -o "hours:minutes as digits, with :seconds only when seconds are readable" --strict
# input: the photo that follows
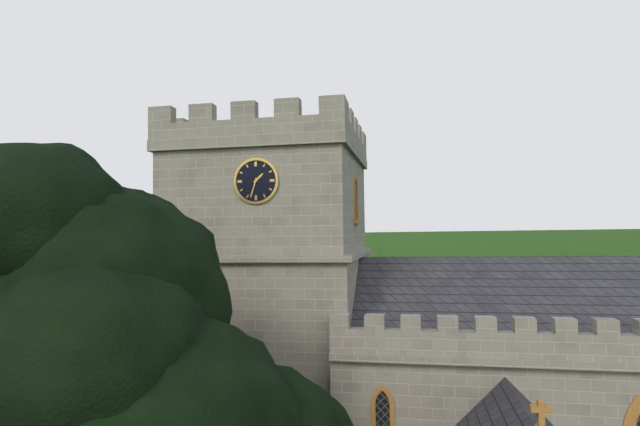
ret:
1:33
